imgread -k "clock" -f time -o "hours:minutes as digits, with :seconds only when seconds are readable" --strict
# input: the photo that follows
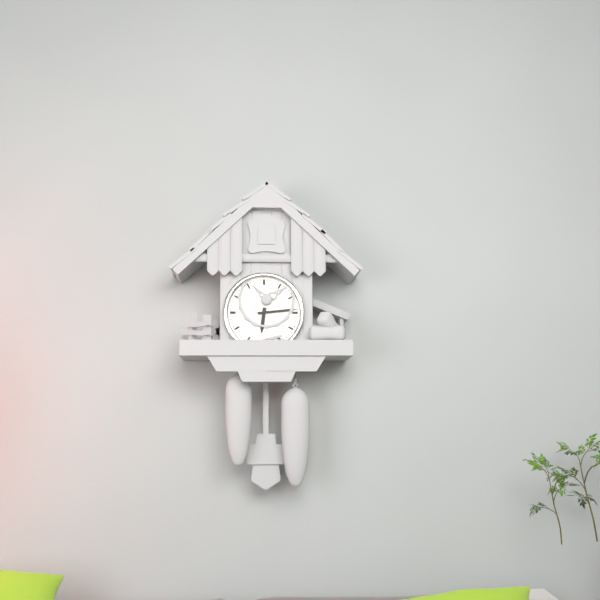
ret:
6:14
